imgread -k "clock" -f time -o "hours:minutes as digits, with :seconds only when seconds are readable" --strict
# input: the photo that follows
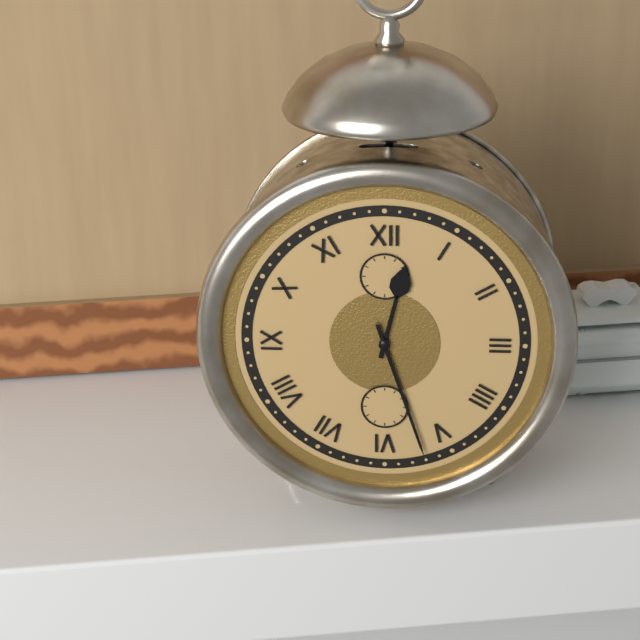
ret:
12:27
